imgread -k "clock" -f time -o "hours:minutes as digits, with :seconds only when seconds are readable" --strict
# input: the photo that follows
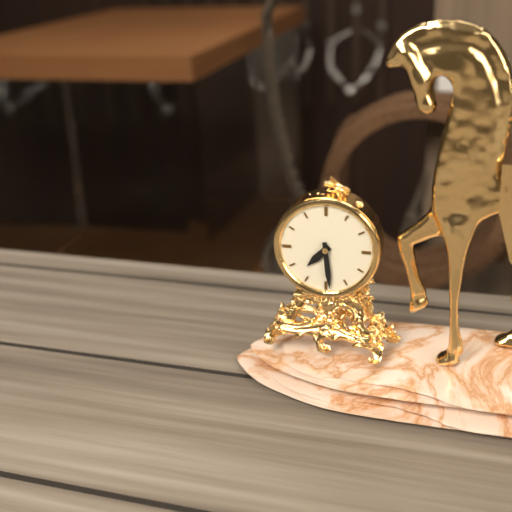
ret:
7:29
